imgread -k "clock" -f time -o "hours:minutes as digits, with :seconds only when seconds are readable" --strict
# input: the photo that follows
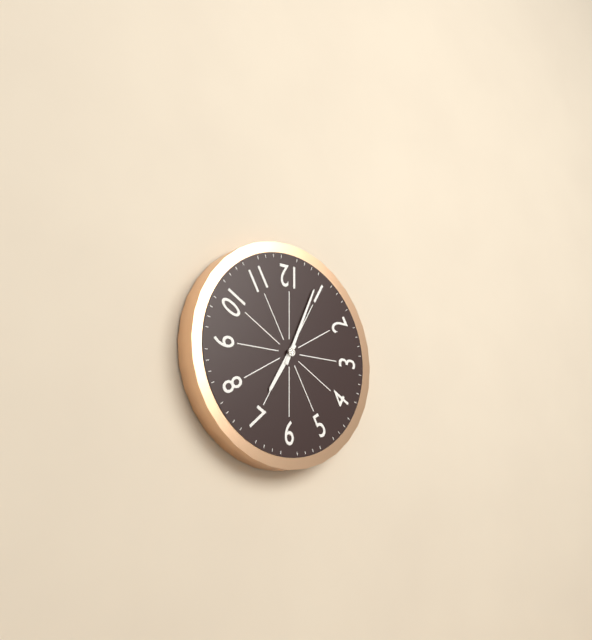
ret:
7:04
